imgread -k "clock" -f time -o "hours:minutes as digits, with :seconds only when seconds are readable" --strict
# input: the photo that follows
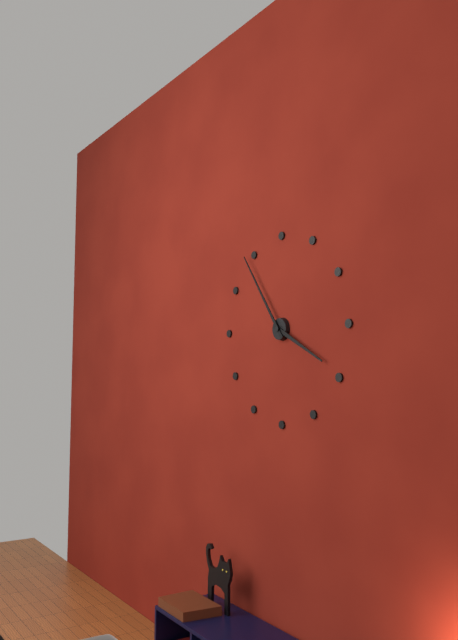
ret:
3:54
